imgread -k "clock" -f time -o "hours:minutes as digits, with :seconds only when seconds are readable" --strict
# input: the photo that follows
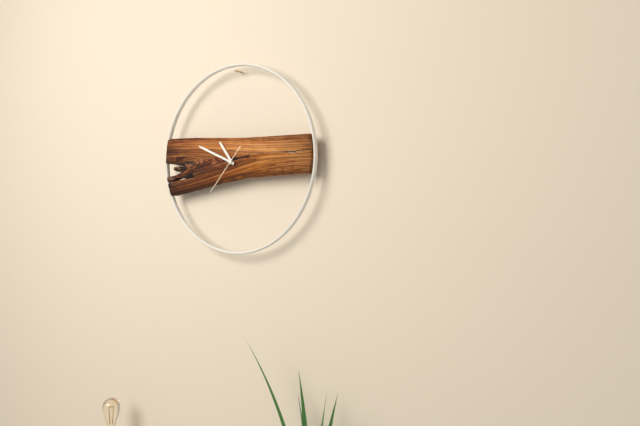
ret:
10:49
